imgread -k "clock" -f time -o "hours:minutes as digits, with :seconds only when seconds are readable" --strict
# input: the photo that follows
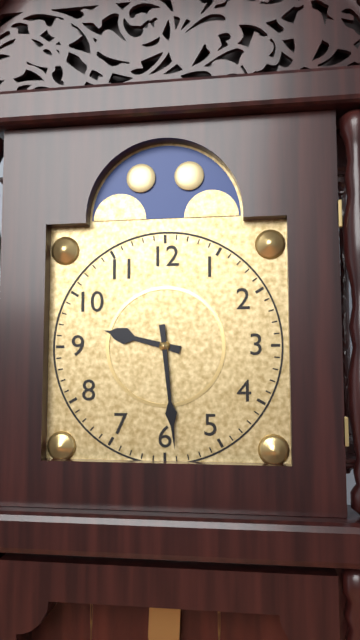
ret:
9:29
